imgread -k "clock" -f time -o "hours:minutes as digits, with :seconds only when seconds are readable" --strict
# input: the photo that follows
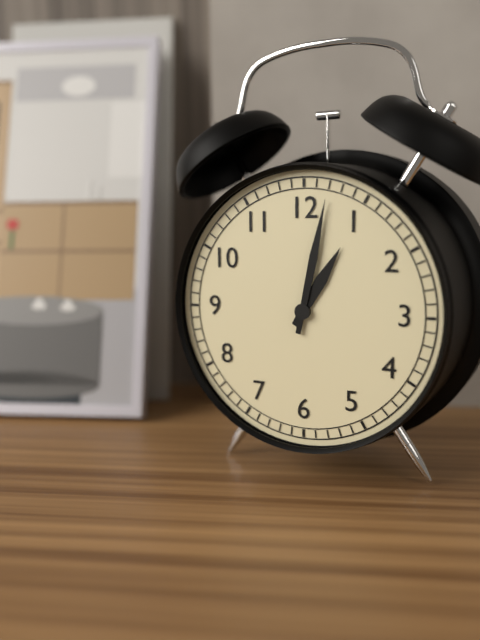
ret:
1:02
